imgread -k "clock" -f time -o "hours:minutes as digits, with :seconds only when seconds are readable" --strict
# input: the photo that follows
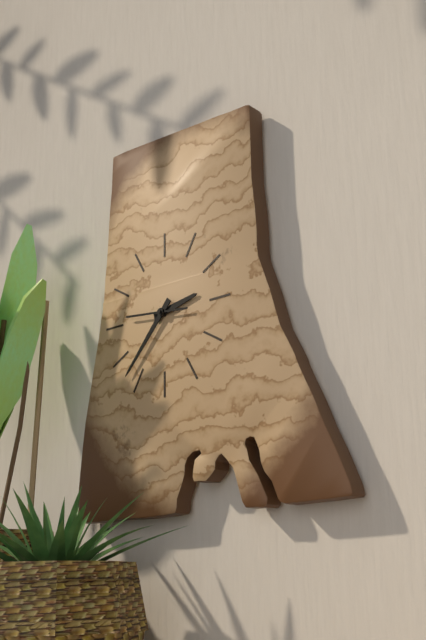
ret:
2:37:46
